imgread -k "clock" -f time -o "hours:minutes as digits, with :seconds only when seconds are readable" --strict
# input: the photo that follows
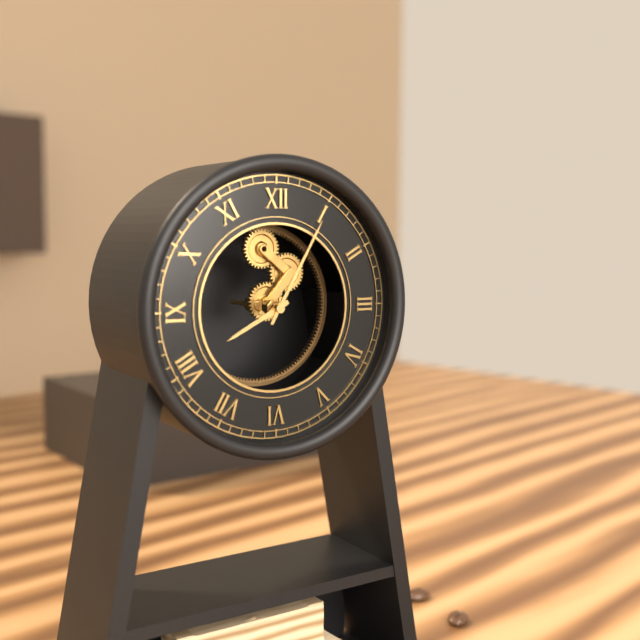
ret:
8:05
